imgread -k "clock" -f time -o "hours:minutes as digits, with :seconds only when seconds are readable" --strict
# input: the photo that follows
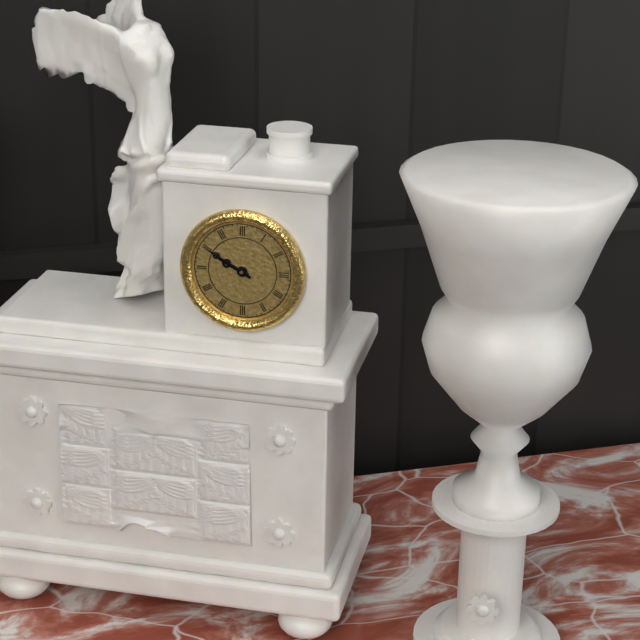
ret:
9:50
